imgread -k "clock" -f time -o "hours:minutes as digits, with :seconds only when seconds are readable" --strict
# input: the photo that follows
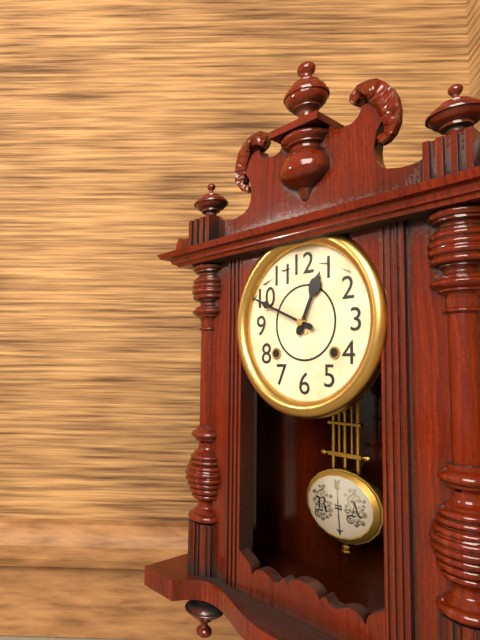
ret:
12:49
